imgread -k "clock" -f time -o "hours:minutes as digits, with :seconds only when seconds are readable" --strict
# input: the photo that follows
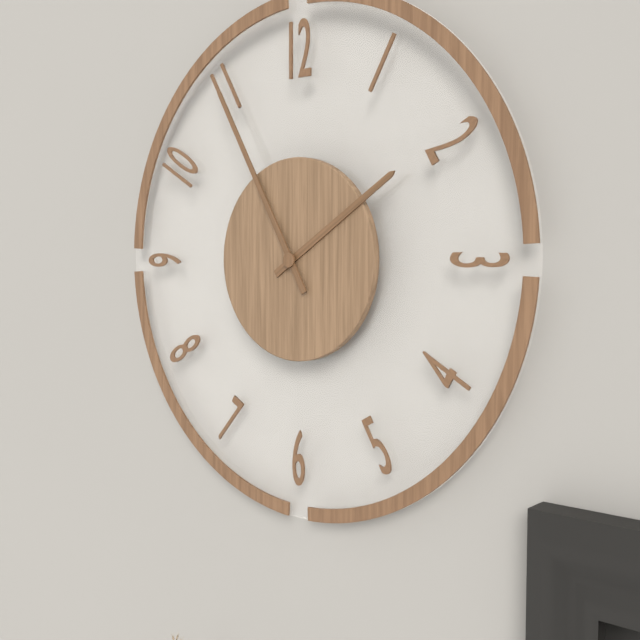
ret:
1:55
